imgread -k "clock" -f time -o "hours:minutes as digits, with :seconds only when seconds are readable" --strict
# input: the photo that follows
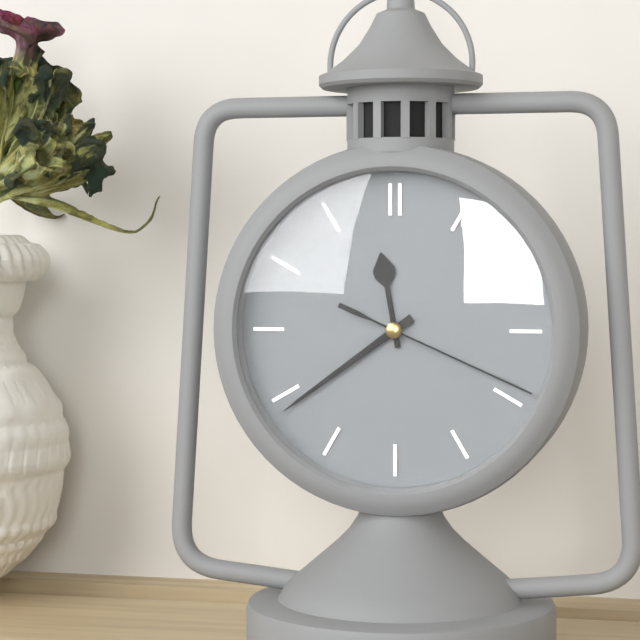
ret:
11:39:19
